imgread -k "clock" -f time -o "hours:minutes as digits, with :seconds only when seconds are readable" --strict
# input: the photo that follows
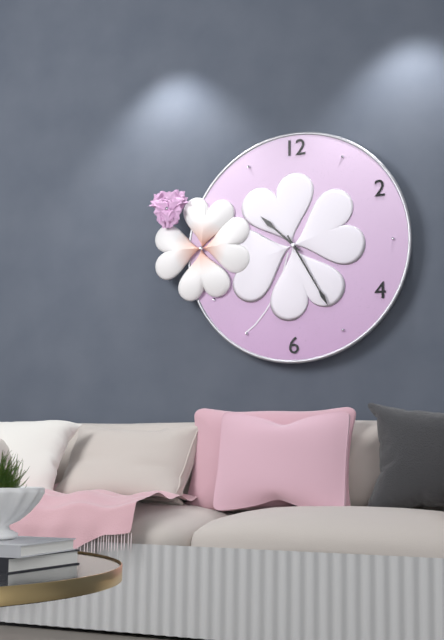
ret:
10:25
